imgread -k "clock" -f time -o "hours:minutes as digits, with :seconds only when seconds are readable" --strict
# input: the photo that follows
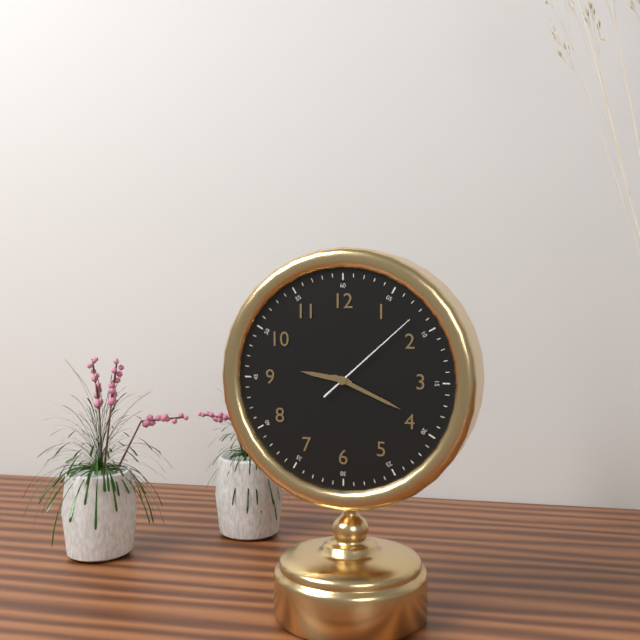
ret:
9:19:08
